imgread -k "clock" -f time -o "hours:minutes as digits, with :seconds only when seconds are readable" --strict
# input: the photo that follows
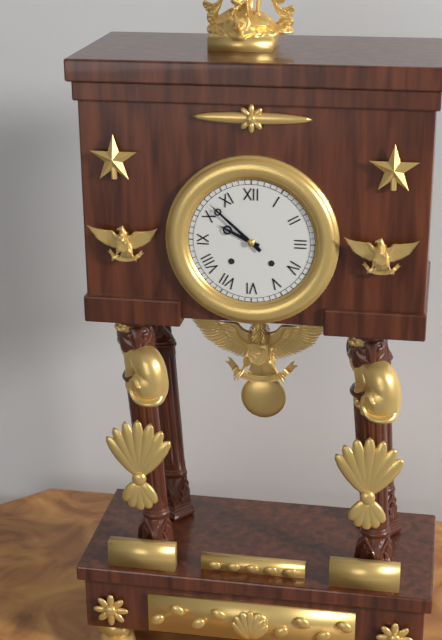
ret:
9:52
